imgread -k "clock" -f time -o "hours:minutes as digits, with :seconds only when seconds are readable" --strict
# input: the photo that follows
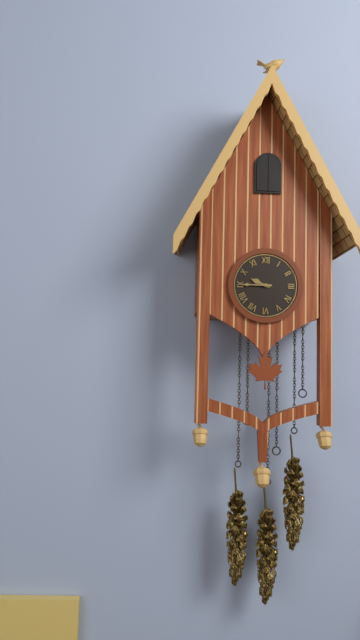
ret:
9:45
